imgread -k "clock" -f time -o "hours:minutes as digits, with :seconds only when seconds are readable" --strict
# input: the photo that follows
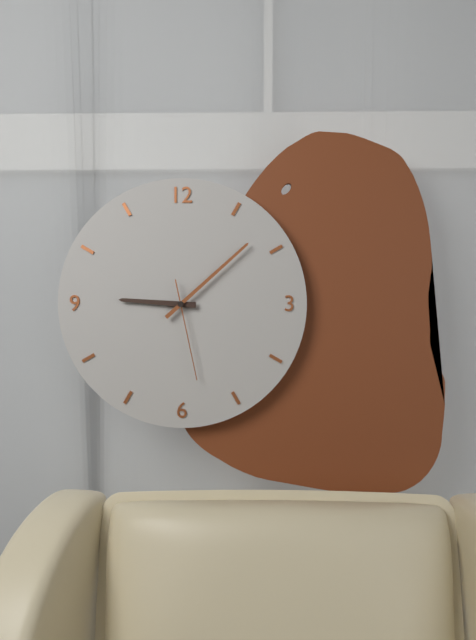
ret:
9:08:28
